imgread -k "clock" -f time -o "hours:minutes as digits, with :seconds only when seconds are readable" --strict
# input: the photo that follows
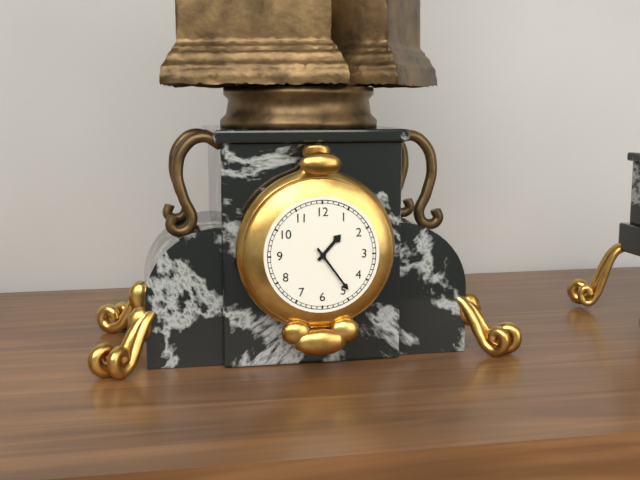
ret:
1:24
